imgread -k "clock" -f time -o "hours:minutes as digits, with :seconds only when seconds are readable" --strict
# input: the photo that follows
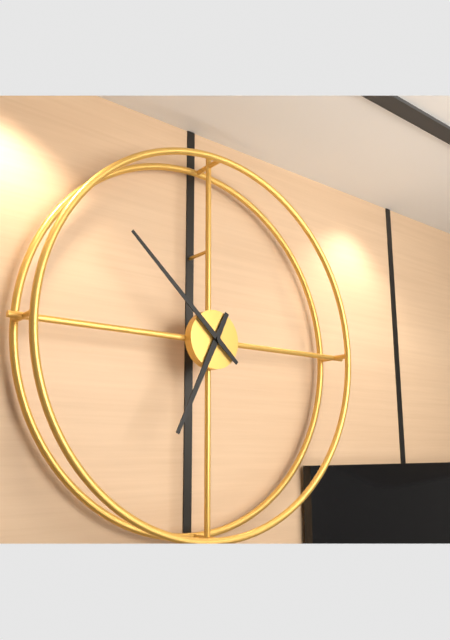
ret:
6:52
